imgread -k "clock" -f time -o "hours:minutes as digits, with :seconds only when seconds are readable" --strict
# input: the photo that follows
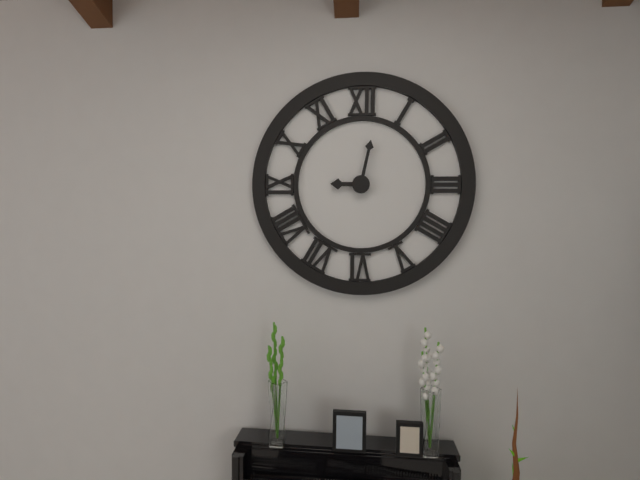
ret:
9:02
